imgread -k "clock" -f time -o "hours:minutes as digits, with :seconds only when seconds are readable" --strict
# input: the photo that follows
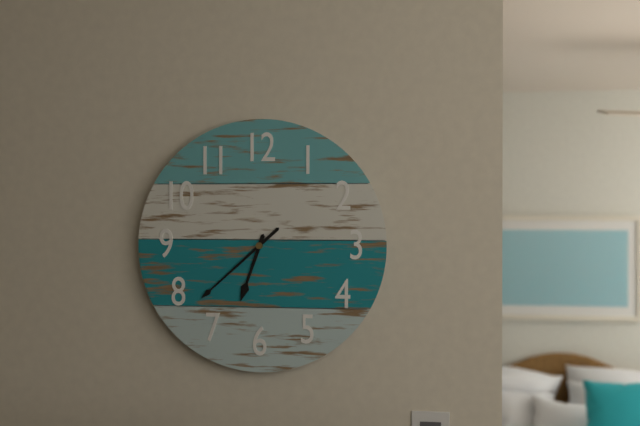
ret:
6:38
